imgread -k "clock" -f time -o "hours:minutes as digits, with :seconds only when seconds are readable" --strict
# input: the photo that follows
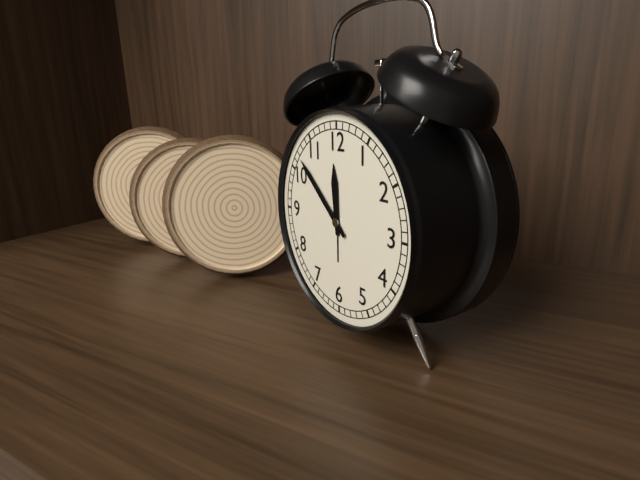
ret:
11:52
